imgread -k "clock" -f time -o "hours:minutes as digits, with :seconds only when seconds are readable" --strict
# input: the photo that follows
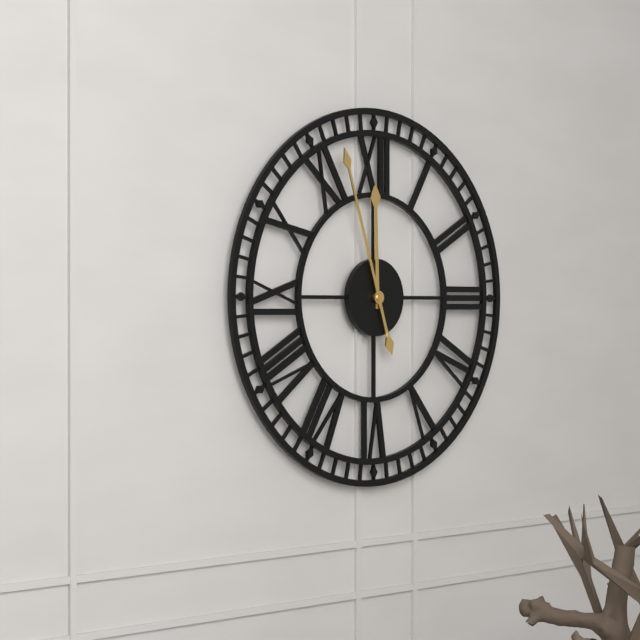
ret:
11:57
